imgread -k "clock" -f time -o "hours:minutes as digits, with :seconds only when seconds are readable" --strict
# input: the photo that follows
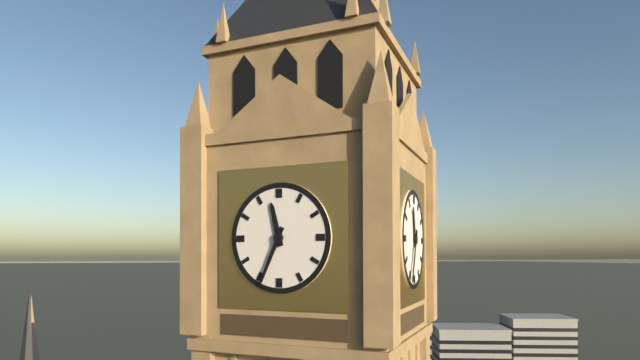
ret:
11:34
